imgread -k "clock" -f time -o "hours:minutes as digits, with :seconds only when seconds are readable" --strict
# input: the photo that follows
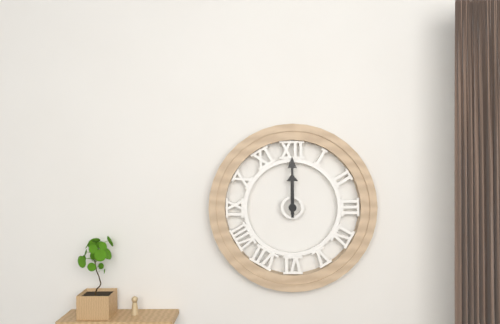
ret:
12:00
